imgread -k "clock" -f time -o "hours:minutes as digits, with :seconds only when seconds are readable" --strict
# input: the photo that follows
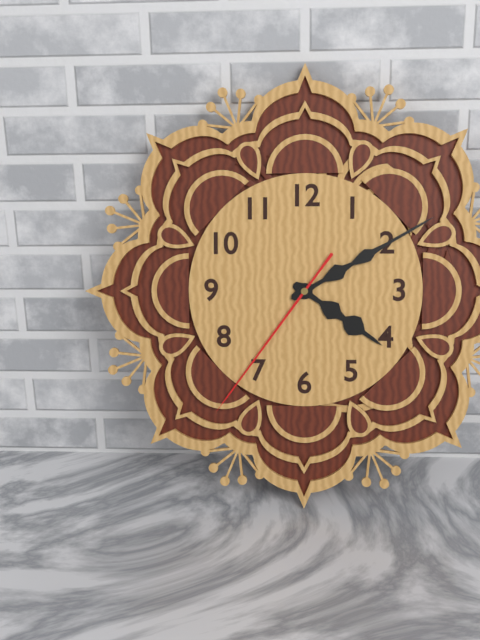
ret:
4:10:36
